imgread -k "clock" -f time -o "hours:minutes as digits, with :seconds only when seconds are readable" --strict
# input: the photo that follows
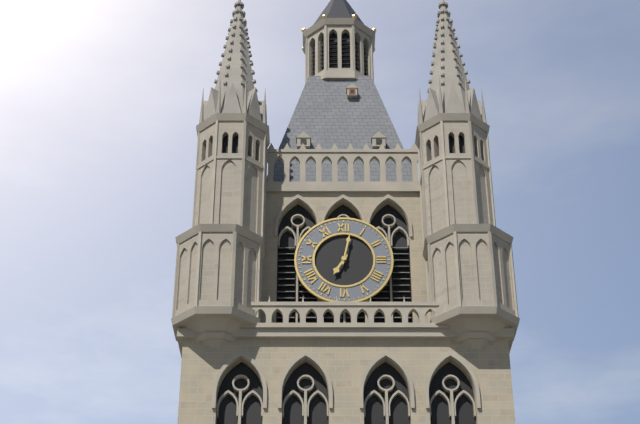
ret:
7:02
